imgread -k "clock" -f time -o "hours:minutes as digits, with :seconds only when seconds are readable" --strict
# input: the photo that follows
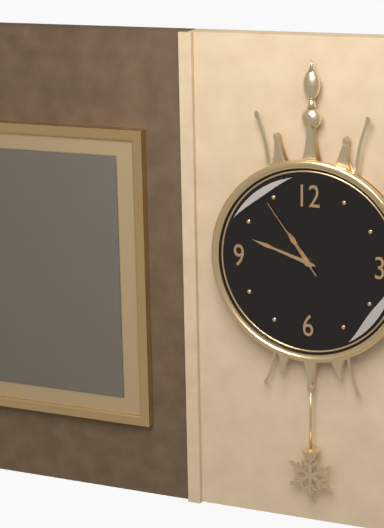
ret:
10:48:54
